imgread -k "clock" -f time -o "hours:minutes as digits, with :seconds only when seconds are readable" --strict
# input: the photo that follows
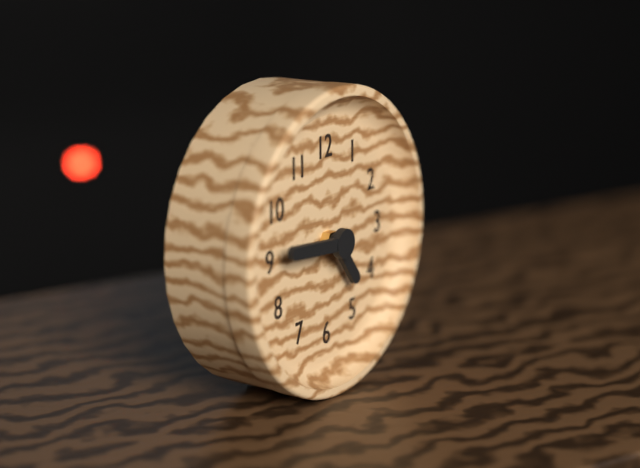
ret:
4:46
